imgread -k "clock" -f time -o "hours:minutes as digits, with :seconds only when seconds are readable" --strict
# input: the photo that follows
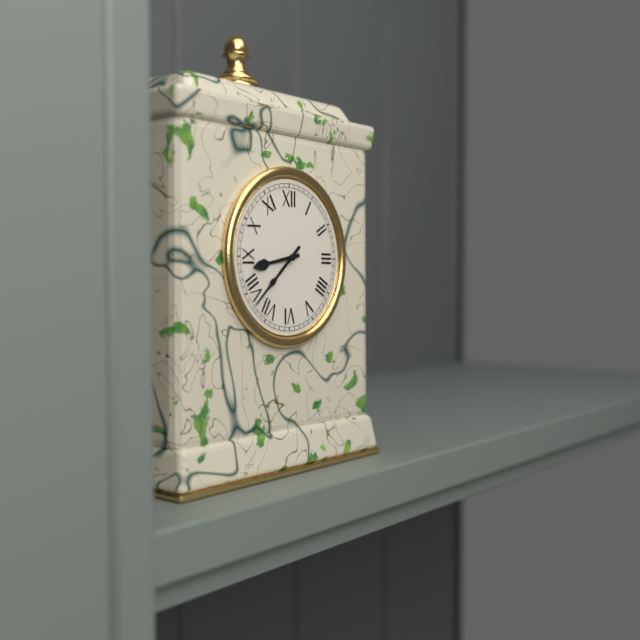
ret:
8:38
